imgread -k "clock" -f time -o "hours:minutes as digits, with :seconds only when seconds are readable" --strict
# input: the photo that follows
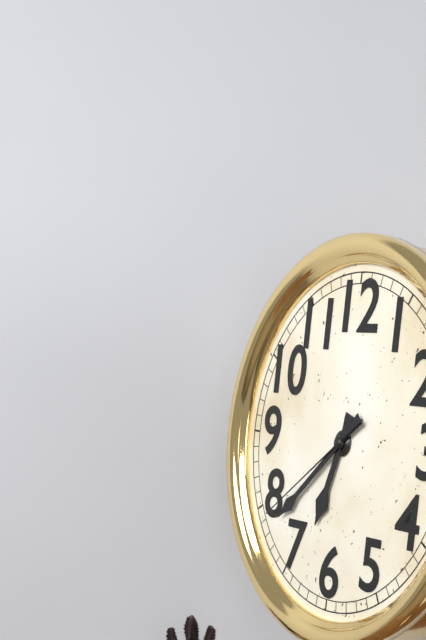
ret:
6:38:39
